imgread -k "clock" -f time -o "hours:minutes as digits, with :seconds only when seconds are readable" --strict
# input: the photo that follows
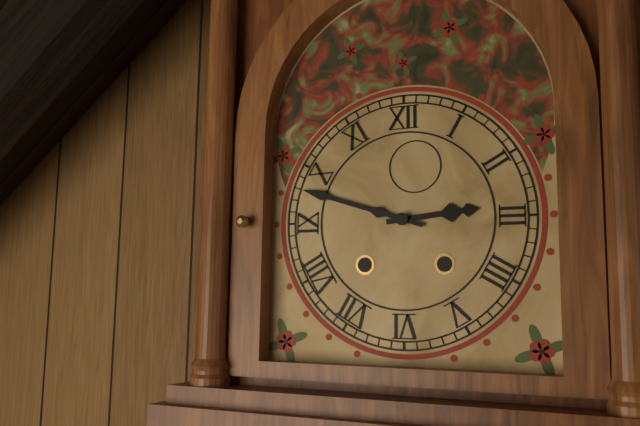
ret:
2:48
